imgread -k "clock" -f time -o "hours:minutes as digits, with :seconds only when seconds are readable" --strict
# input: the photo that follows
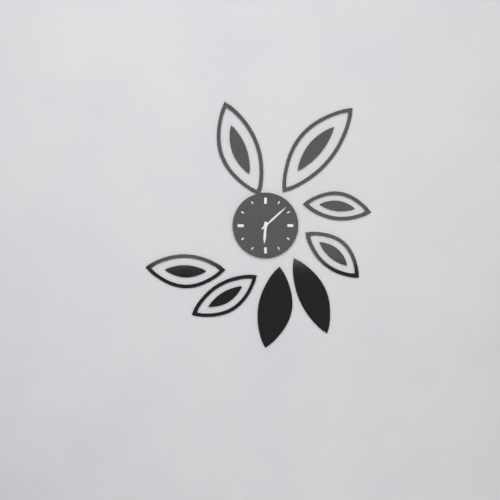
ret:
6:08
